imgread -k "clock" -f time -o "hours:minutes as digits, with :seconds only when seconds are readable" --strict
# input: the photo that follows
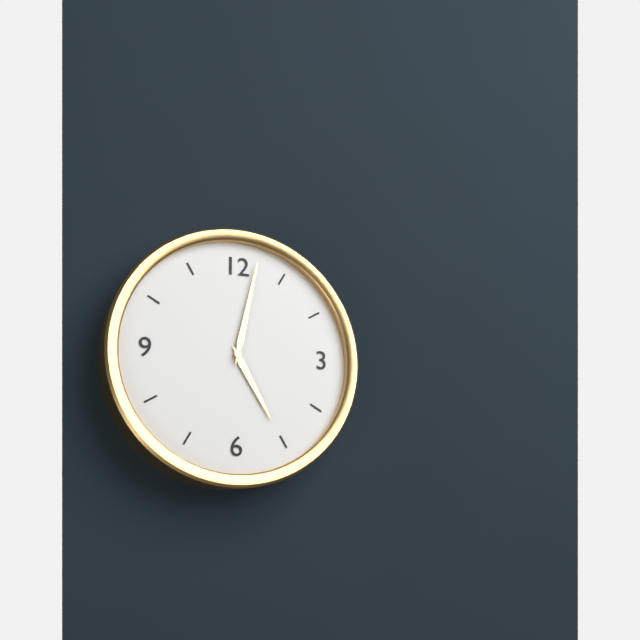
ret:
5:02
